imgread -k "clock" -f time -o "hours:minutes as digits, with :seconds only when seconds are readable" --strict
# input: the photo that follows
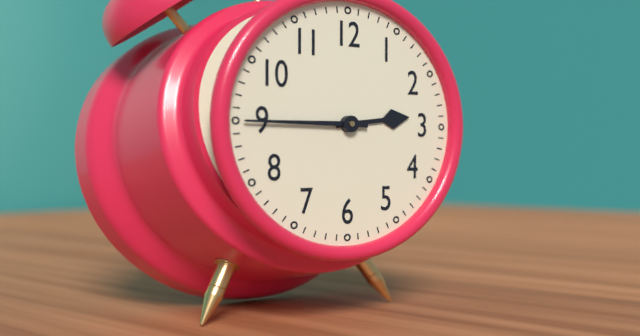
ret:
2:45
